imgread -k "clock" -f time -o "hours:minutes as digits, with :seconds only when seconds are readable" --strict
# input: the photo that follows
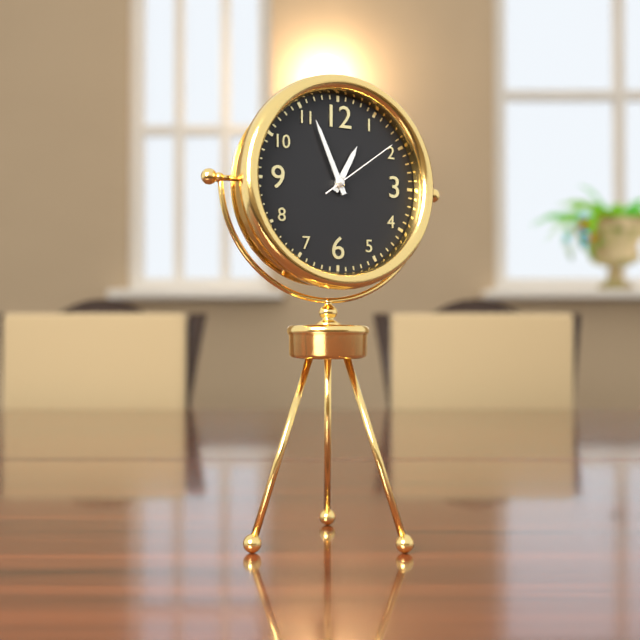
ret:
12:56:09
